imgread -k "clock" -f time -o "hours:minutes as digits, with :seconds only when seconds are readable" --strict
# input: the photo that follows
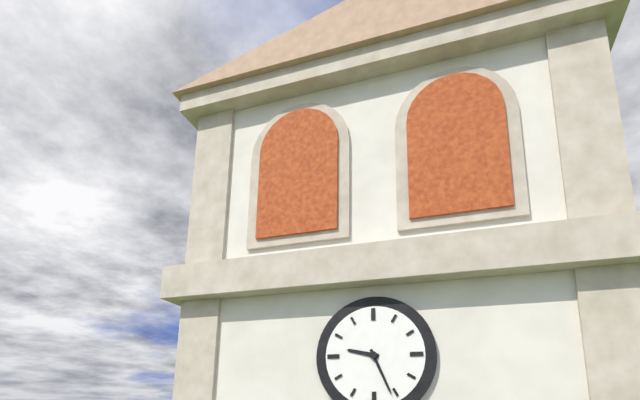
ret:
9:26
